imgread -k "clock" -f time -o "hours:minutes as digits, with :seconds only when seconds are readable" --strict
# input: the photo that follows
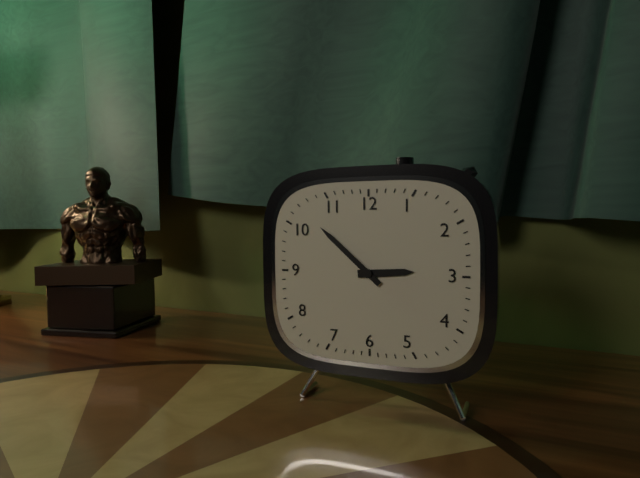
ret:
2:52
